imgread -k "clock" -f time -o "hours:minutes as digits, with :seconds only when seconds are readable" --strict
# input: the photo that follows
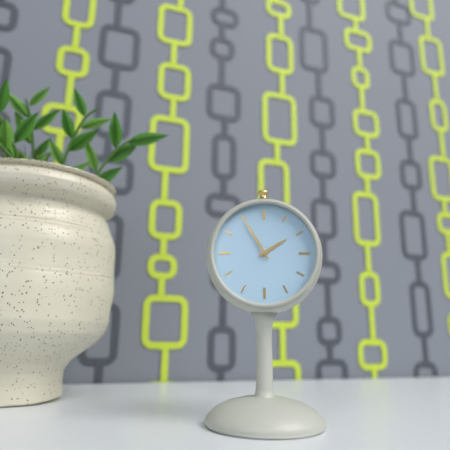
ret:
1:55
